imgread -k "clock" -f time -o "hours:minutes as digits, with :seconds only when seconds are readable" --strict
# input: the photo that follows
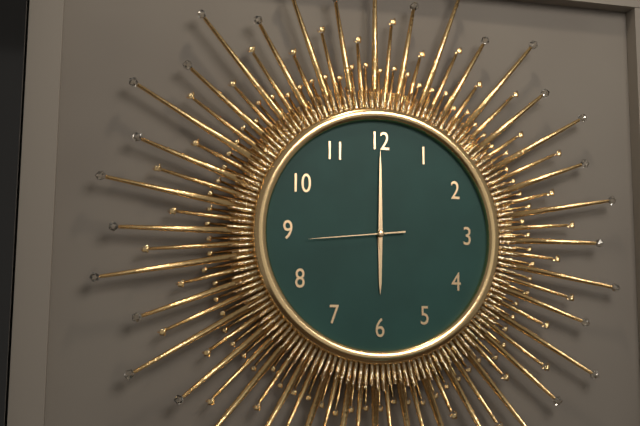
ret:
6:00:44
